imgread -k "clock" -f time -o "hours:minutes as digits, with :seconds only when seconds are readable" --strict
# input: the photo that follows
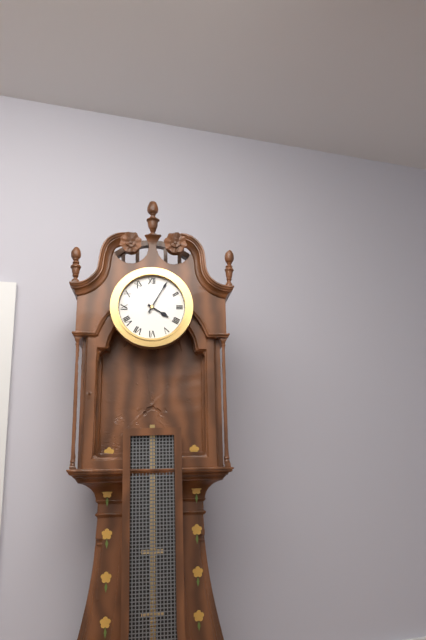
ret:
4:05
